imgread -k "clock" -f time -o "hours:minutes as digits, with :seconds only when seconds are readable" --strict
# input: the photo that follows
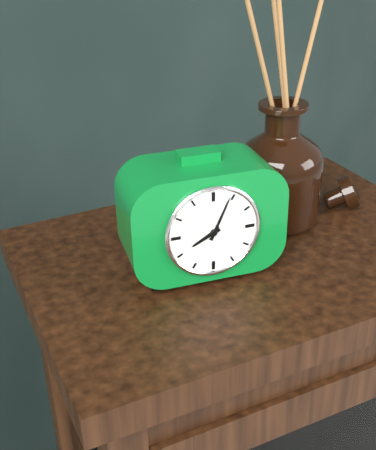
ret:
8:04
